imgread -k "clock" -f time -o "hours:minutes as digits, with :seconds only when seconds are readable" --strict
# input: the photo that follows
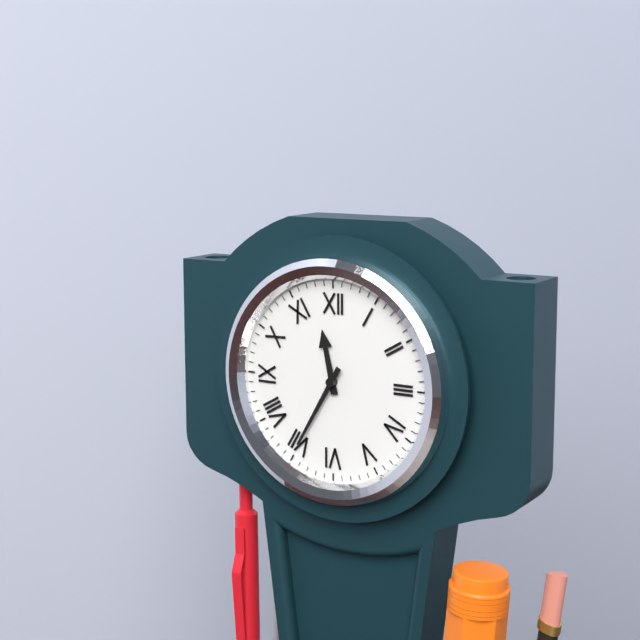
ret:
11:35
